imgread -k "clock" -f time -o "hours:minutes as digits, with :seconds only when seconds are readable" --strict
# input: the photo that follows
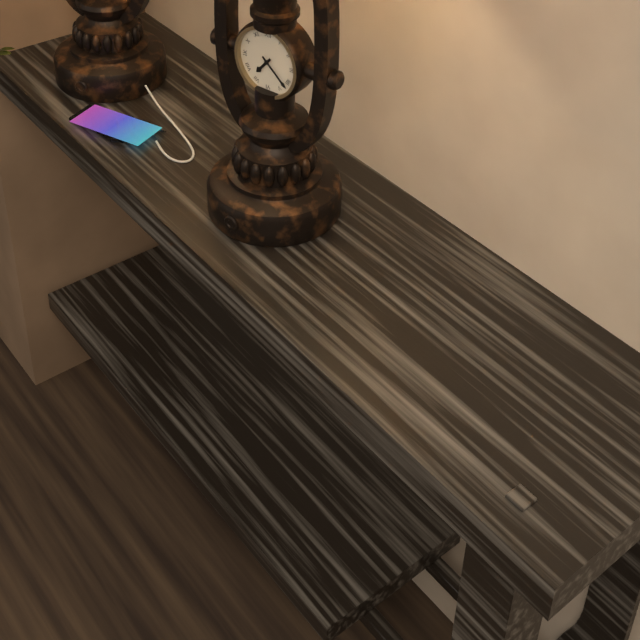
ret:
7:22
